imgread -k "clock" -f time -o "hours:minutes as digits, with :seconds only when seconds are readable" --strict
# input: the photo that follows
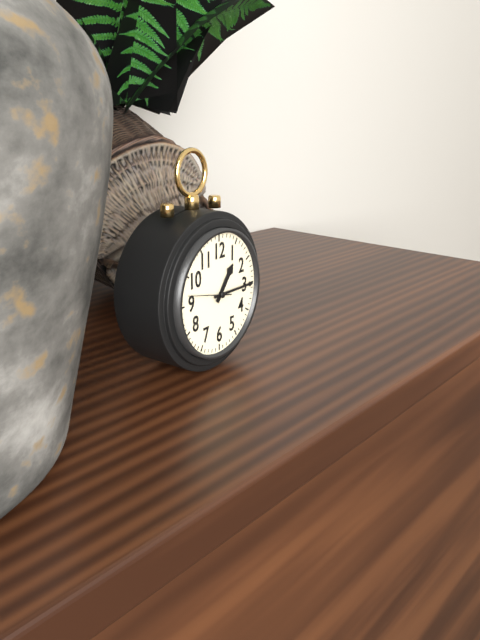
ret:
1:15
